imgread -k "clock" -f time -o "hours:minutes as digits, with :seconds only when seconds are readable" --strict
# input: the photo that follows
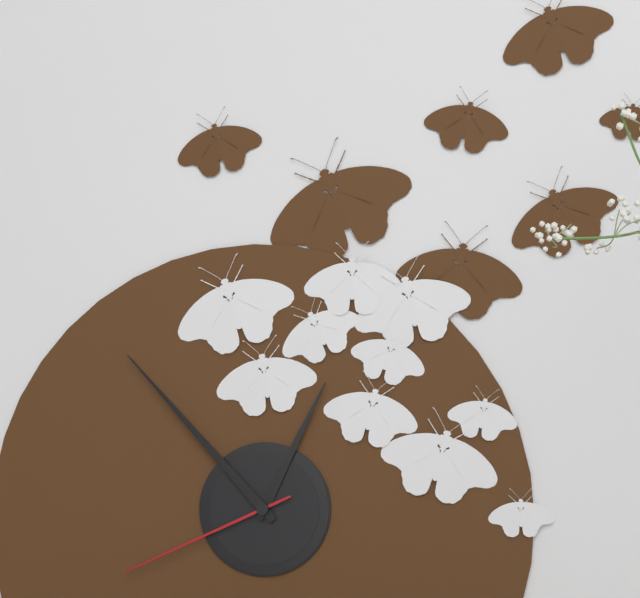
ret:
12:53:41
